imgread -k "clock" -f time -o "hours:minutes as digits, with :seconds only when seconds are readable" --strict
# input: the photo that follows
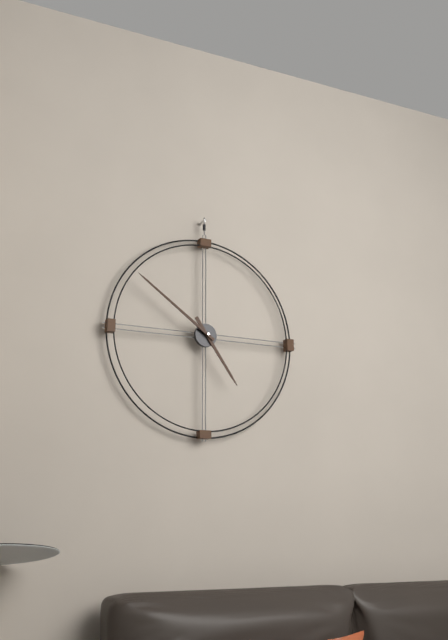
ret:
4:51
